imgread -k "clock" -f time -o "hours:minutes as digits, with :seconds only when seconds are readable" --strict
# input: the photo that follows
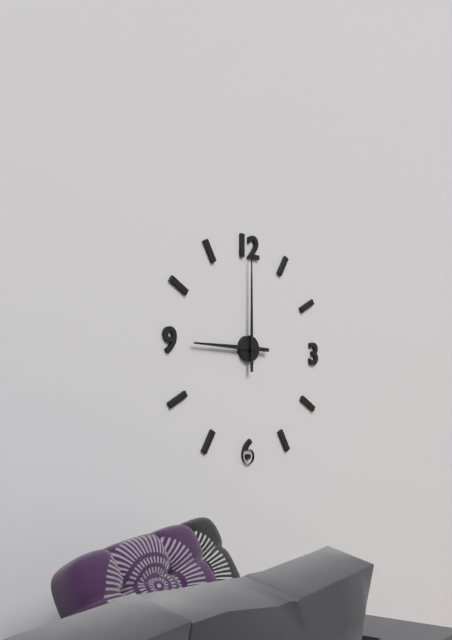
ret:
9:00
